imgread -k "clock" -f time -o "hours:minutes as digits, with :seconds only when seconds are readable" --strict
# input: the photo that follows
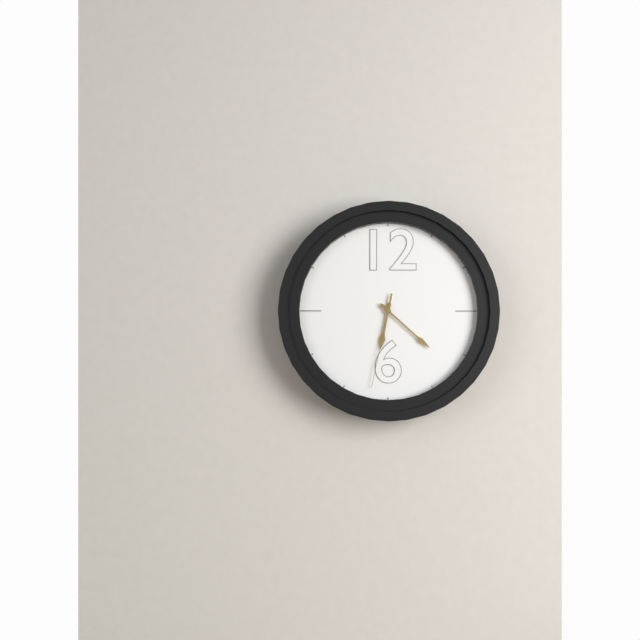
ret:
6:22:32
